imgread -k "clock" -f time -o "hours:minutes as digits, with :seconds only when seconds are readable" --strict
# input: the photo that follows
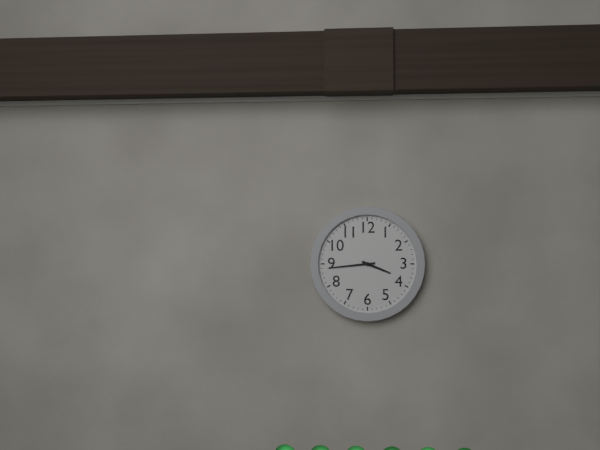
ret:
3:44
